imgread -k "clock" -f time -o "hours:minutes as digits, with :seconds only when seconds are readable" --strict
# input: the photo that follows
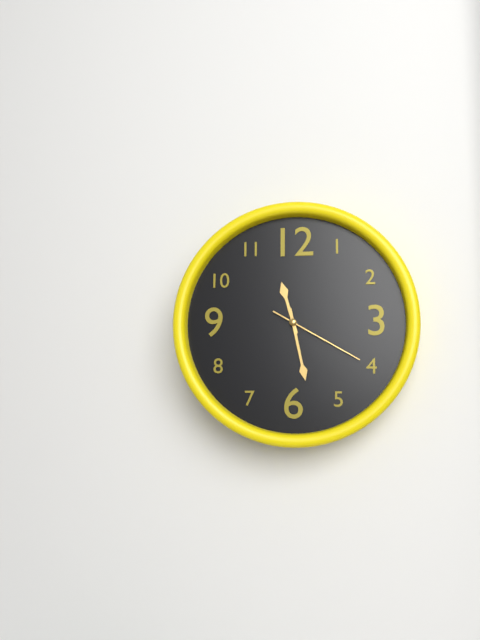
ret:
11:28:20
